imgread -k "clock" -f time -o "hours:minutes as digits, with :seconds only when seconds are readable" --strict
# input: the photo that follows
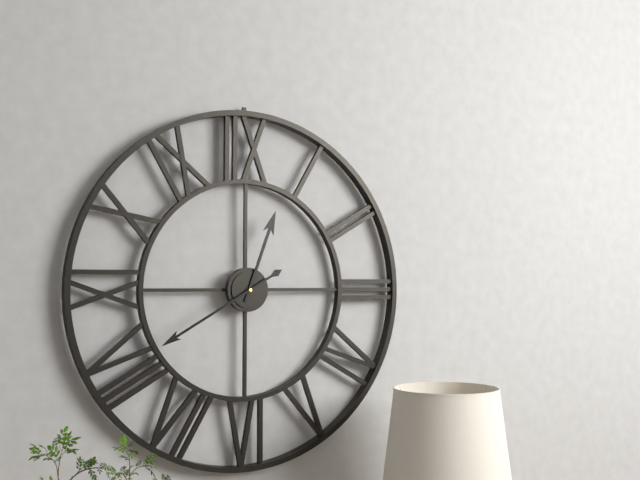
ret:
12:40
